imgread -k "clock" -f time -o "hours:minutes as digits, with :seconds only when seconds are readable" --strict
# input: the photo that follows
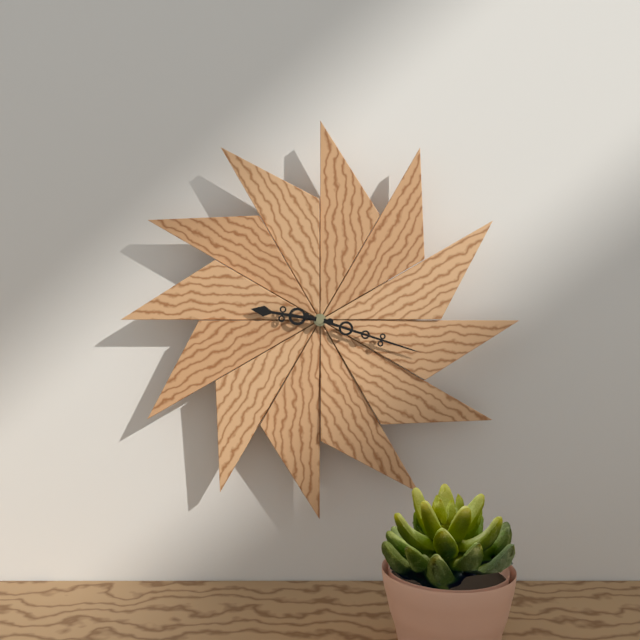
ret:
9:18
